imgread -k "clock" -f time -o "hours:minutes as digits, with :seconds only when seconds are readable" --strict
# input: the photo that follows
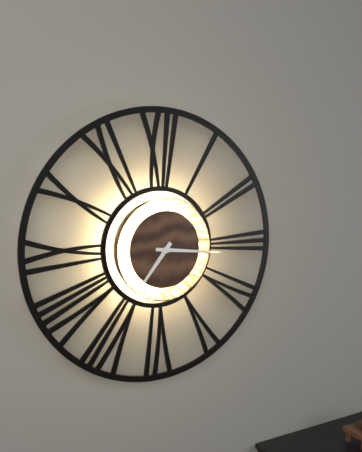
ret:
7:16
